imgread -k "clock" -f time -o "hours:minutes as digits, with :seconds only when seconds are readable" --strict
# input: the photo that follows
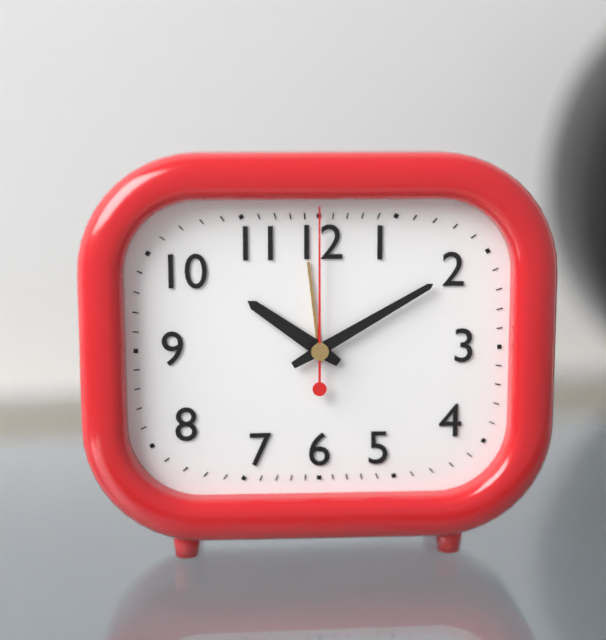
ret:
10:10:00
